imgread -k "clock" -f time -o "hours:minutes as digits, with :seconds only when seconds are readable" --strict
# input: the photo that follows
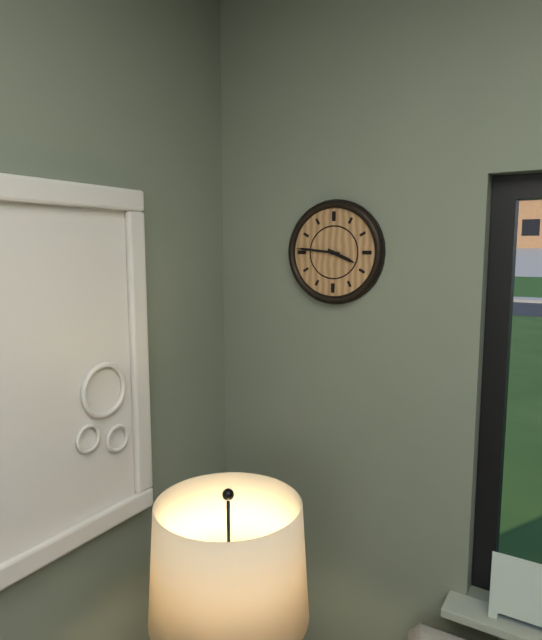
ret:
3:46
